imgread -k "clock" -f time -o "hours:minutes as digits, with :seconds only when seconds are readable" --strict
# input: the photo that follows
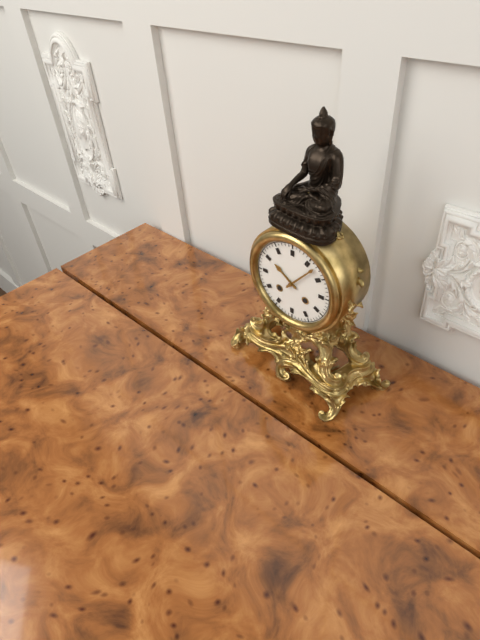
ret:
10:07
